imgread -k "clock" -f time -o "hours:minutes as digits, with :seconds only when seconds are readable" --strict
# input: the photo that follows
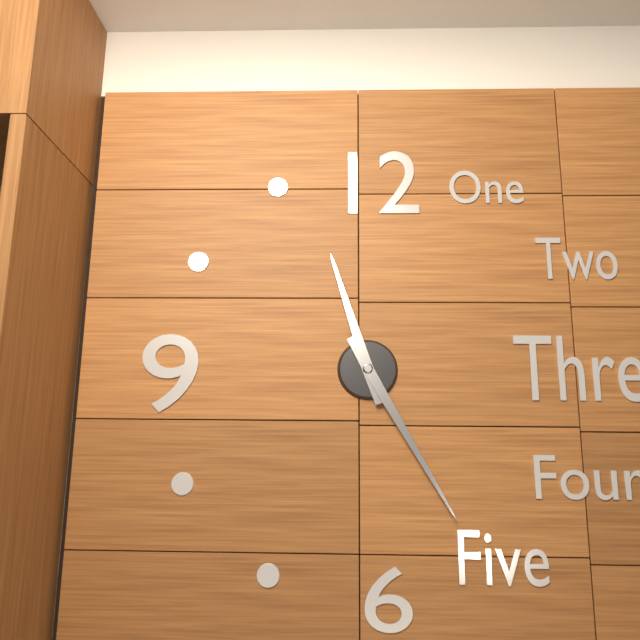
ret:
11:25
